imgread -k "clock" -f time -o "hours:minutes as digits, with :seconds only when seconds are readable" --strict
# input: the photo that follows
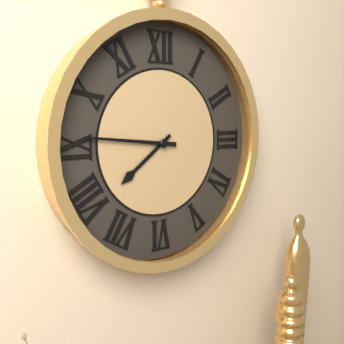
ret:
7:46
